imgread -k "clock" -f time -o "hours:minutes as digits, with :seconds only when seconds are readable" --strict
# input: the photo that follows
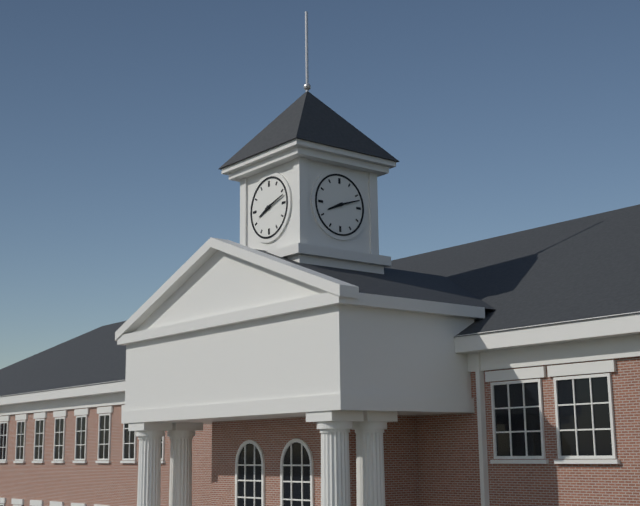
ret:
8:12
